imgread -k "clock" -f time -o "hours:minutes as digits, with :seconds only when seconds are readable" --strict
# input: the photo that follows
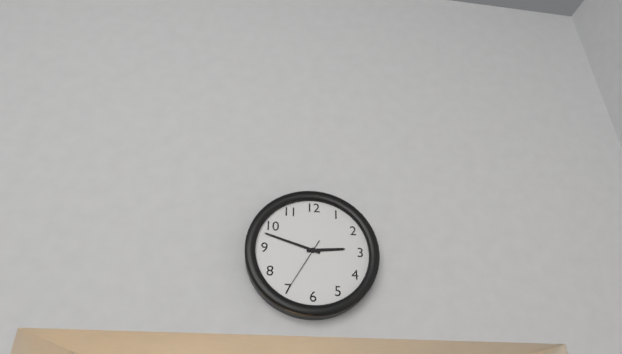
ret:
2:48:35
